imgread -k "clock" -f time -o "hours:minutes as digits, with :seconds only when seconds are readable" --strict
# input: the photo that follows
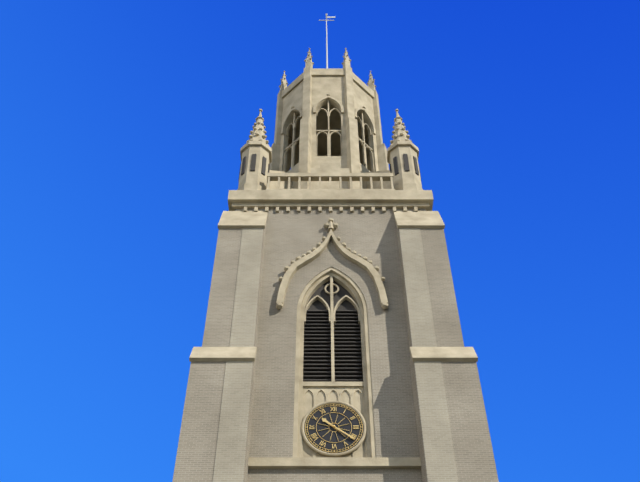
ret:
10:21
